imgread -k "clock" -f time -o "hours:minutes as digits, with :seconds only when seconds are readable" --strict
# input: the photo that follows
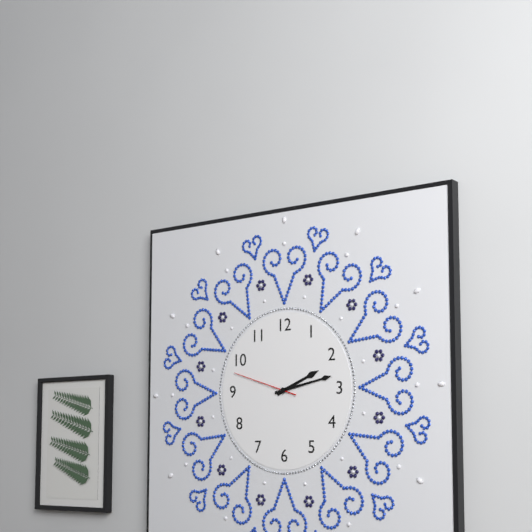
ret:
2:13:48
